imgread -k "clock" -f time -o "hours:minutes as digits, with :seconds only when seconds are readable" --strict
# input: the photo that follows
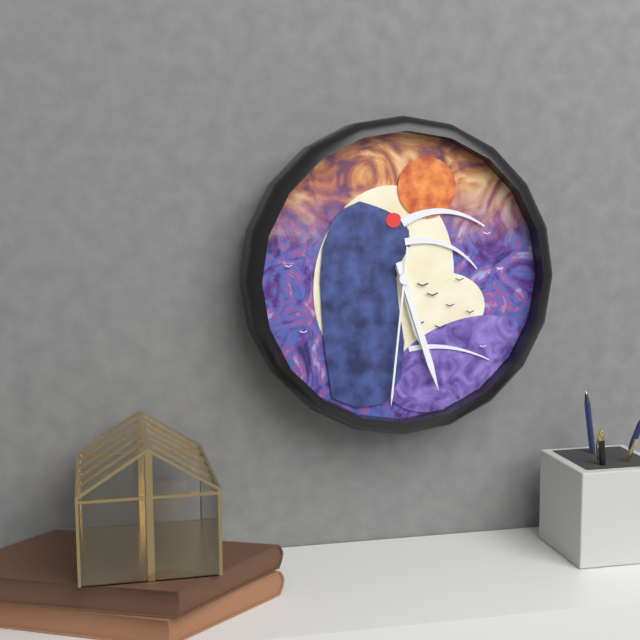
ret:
5:27:31
